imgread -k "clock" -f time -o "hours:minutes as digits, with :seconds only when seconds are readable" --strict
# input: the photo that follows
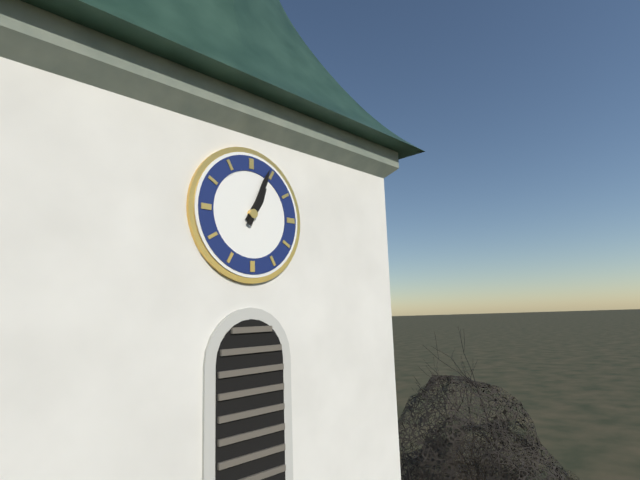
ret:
1:04
